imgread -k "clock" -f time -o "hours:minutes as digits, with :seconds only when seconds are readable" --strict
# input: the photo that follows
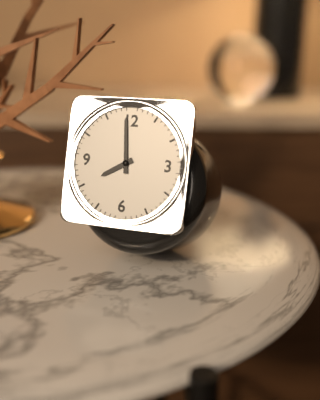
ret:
7:59
